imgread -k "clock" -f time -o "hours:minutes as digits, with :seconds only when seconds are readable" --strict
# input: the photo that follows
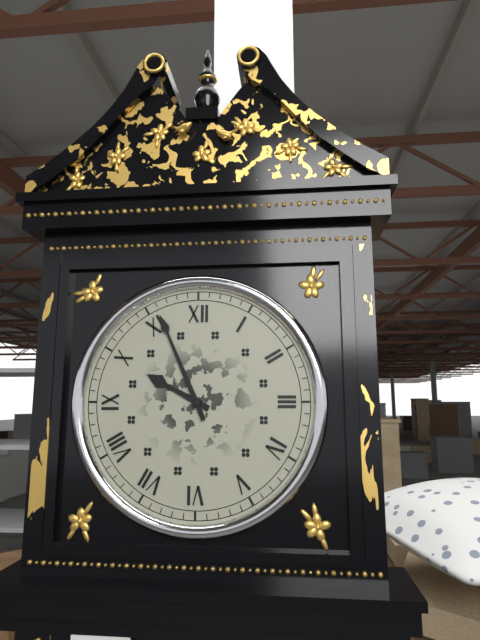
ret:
9:56
